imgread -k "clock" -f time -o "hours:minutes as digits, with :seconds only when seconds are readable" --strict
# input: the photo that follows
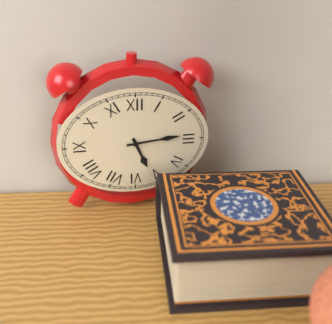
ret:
5:14
